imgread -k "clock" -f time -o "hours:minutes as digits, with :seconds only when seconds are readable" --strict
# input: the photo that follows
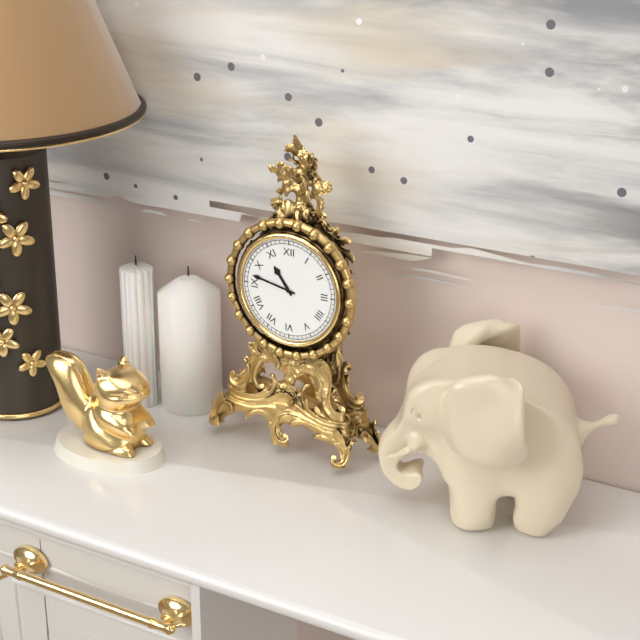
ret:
10:47
